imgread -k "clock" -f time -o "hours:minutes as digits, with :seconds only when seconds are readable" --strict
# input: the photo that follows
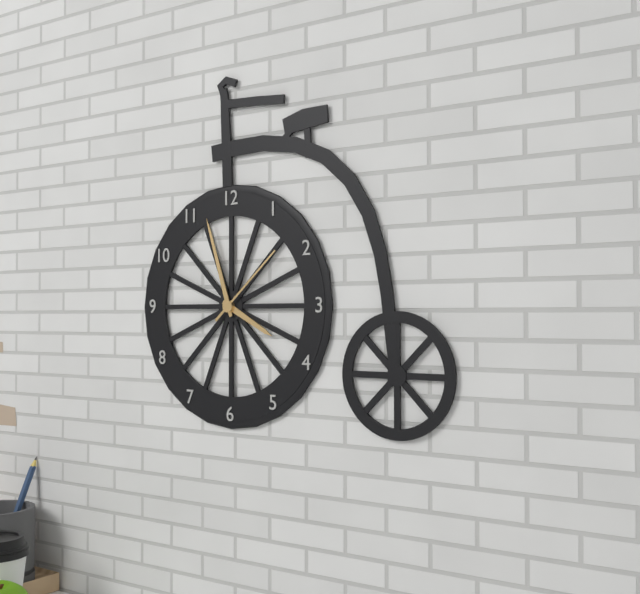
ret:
3:57:08
